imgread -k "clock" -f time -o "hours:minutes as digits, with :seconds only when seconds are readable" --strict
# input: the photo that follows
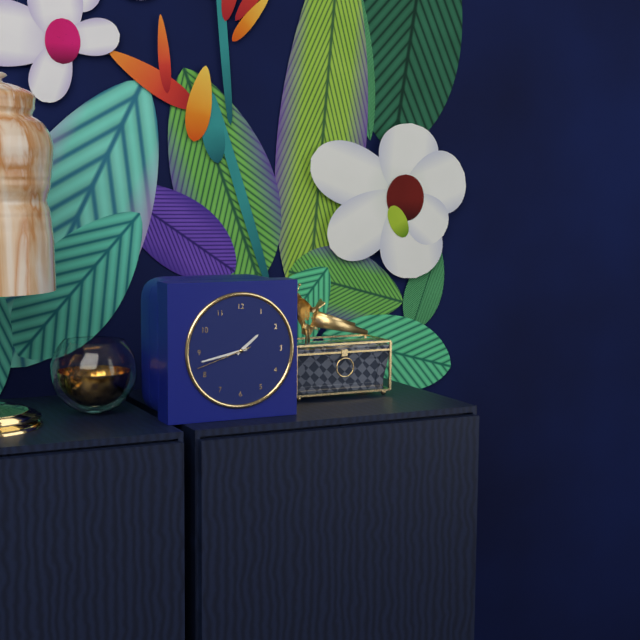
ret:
1:43:42
